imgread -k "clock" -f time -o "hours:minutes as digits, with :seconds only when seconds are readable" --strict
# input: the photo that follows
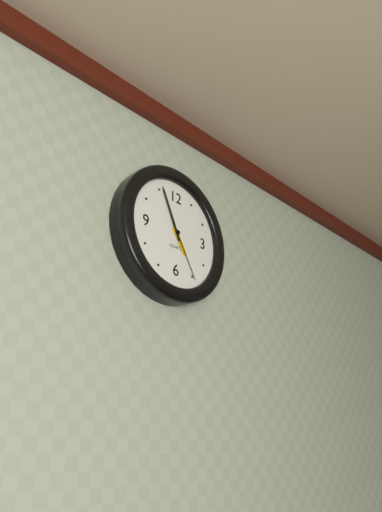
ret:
4:56:25
